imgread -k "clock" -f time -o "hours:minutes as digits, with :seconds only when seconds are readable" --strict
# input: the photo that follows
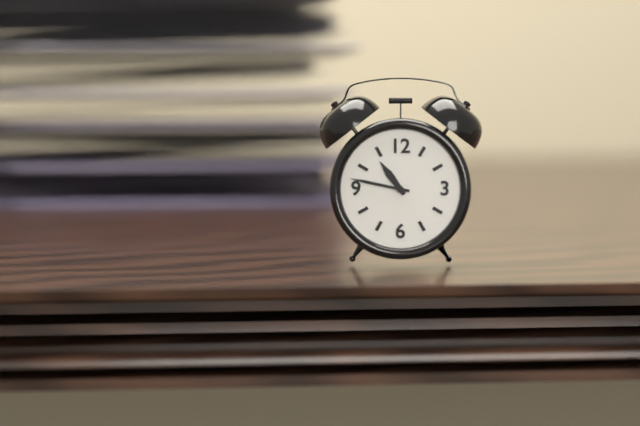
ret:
10:47
